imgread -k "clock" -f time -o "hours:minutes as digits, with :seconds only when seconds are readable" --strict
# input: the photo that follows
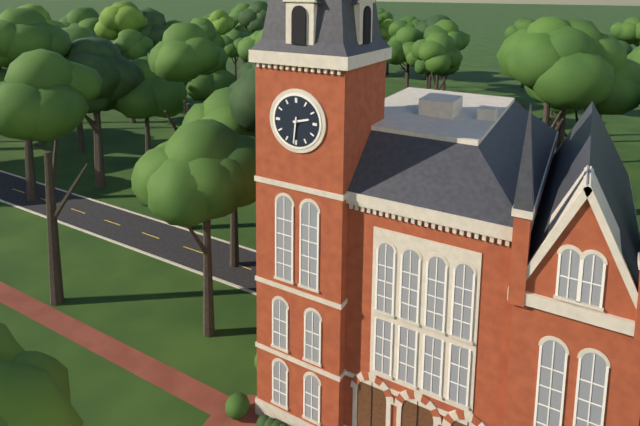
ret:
2:31
